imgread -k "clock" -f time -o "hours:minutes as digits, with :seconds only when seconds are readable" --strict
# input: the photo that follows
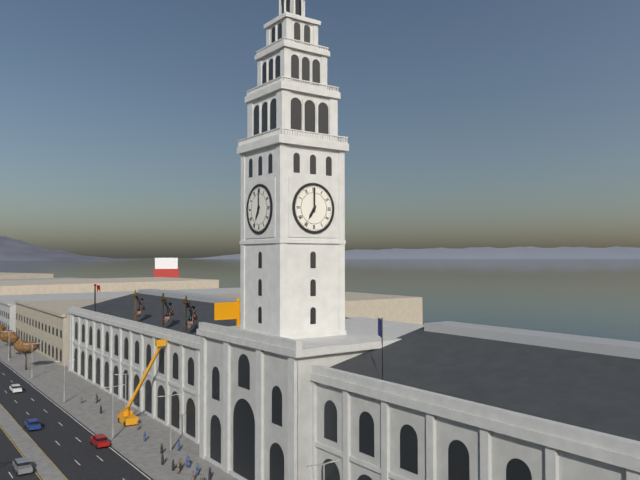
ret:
7:00
